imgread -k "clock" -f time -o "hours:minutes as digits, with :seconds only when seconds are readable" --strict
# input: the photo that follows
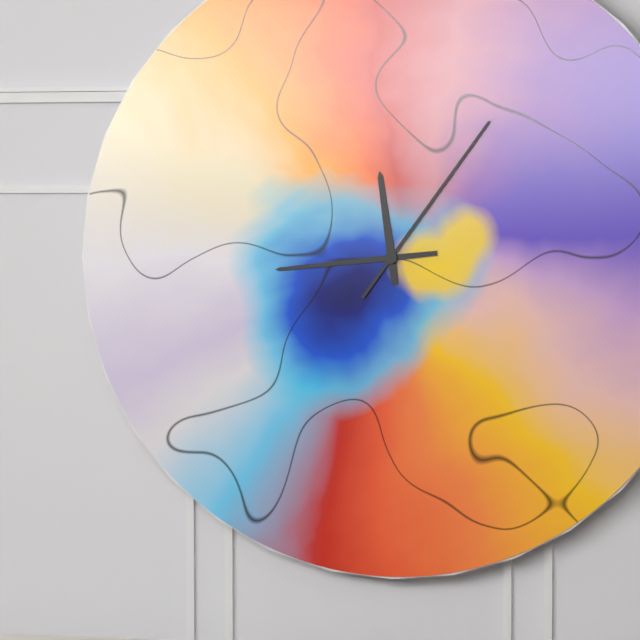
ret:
11:44:06
